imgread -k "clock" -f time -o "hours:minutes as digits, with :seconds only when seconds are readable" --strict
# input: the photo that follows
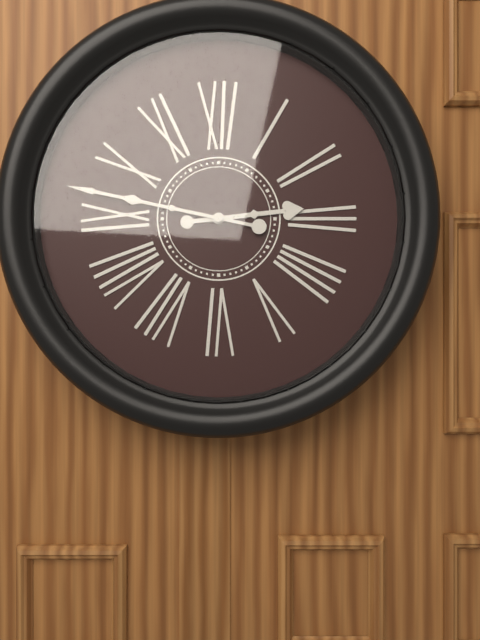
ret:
2:47
